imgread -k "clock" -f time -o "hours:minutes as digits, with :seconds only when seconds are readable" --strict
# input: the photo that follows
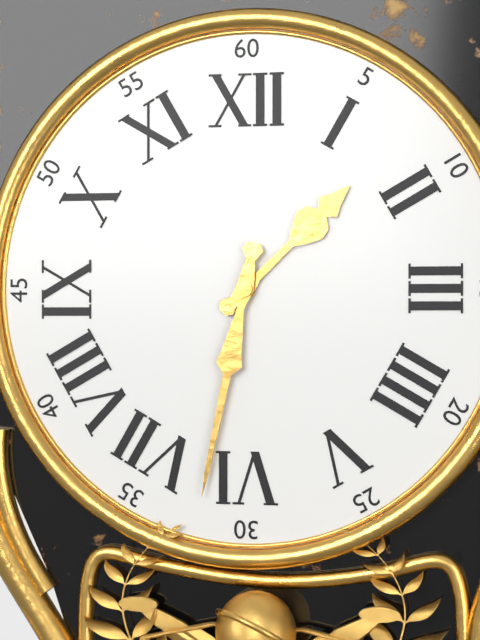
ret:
1:32
